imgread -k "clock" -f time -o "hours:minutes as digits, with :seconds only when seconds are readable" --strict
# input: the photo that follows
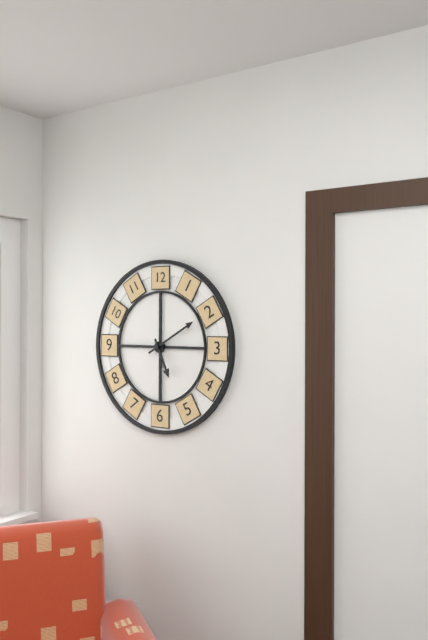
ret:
5:10
